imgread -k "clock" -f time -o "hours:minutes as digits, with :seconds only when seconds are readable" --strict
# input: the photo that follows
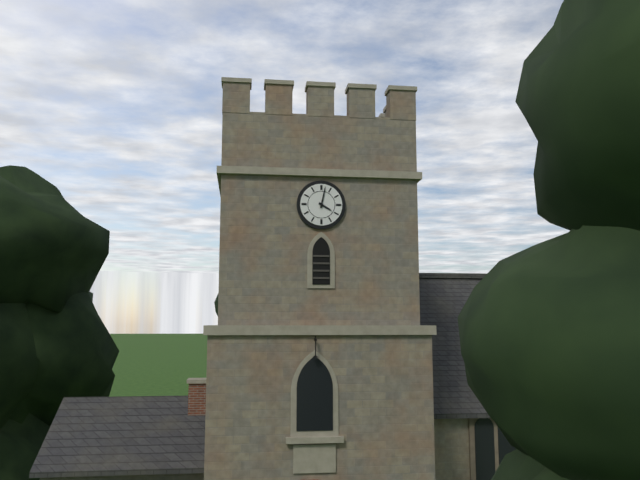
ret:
4:02
